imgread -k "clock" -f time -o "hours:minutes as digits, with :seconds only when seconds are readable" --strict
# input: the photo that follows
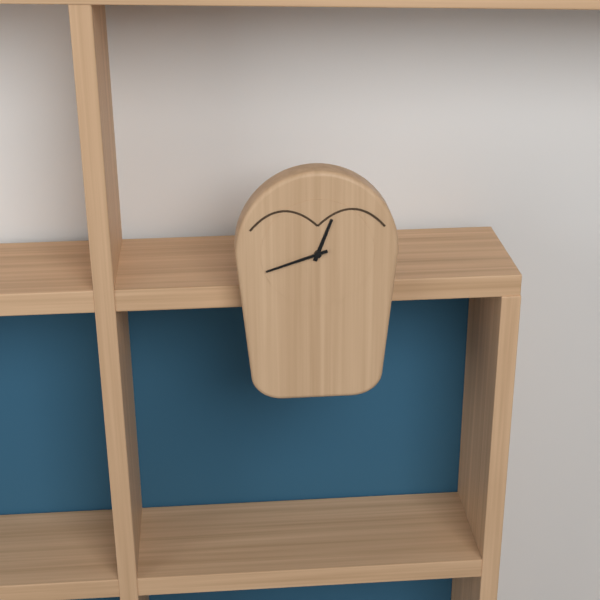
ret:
12:42
